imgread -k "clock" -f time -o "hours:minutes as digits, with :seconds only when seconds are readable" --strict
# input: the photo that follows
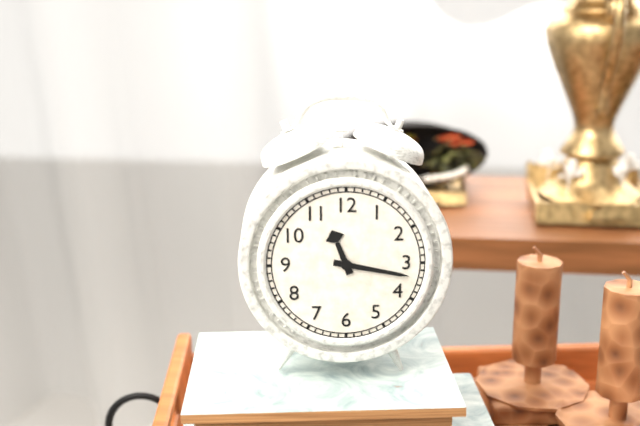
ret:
11:17
